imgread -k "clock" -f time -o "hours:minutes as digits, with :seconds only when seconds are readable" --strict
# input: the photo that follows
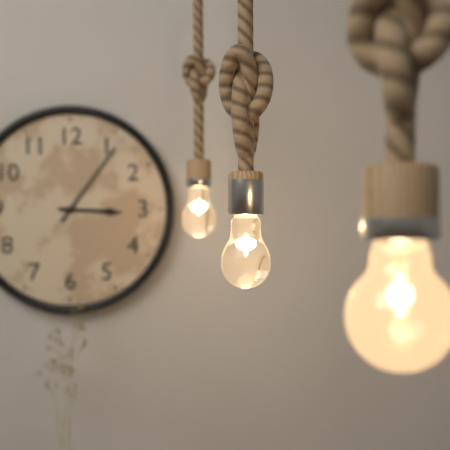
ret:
3:06
